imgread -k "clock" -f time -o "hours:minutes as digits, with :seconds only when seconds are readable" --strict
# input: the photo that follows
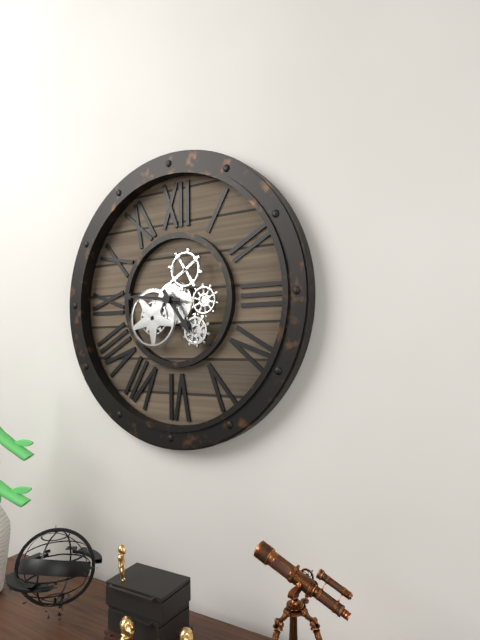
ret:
4:46
